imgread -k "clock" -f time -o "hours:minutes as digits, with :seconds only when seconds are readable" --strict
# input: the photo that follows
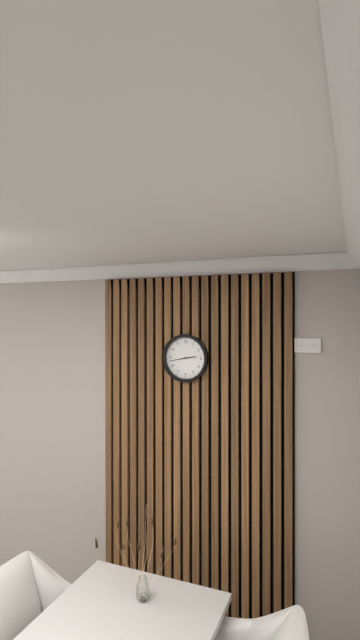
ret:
2:43
